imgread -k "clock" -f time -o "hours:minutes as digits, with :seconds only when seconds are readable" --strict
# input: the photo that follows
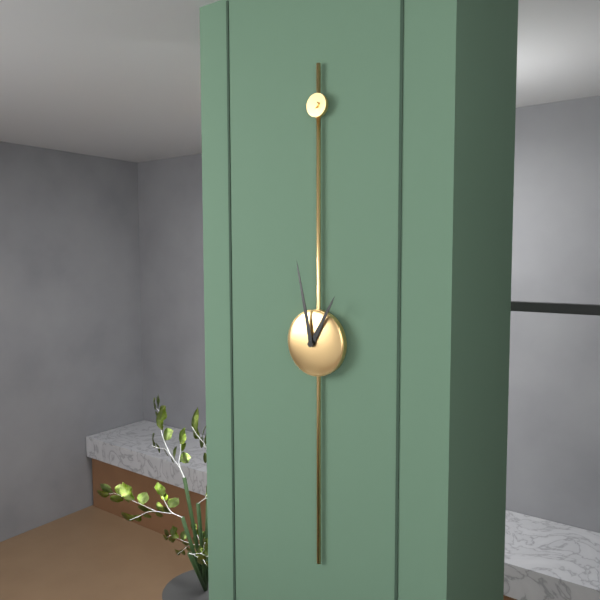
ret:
12:58
